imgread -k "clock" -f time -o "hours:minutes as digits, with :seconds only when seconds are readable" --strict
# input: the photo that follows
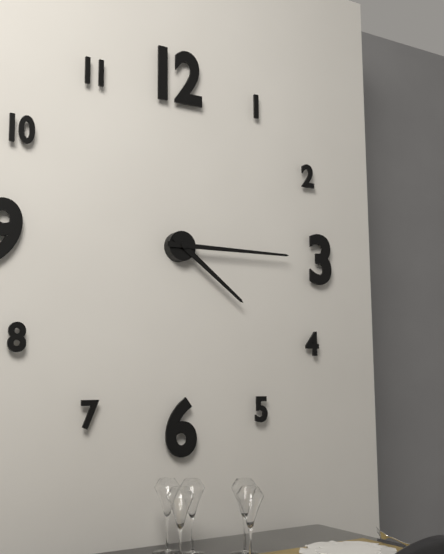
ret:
4:15
